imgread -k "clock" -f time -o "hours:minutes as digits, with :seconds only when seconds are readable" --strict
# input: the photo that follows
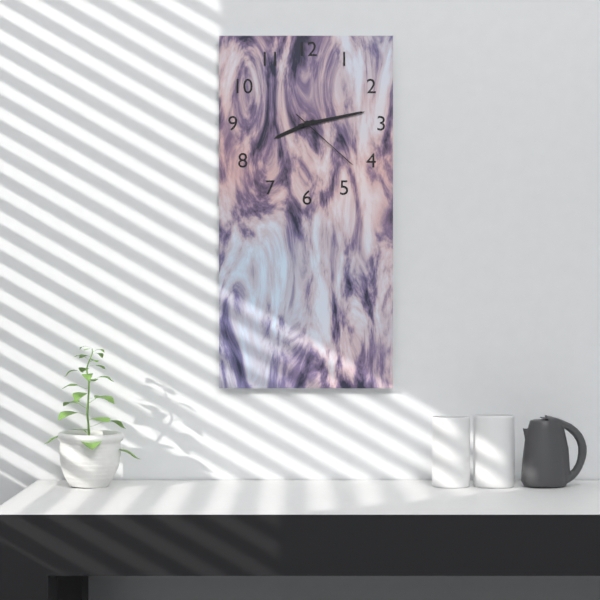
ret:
8:13:22
